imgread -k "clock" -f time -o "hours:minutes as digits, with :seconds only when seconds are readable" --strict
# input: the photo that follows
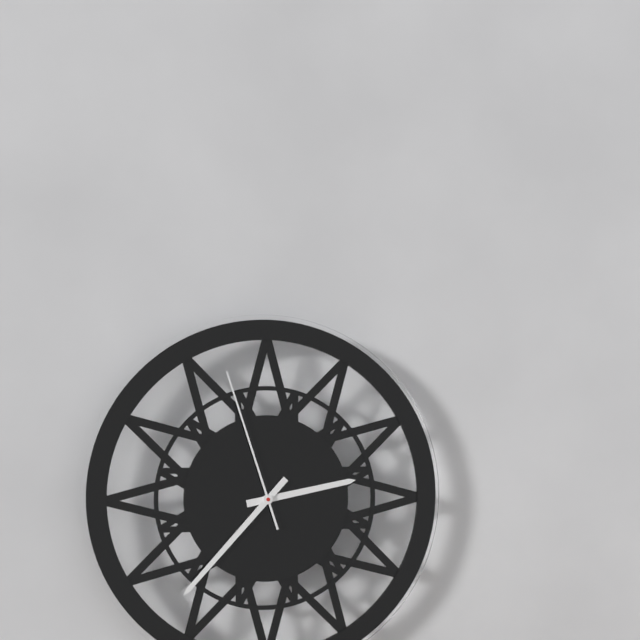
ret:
2:37:57
